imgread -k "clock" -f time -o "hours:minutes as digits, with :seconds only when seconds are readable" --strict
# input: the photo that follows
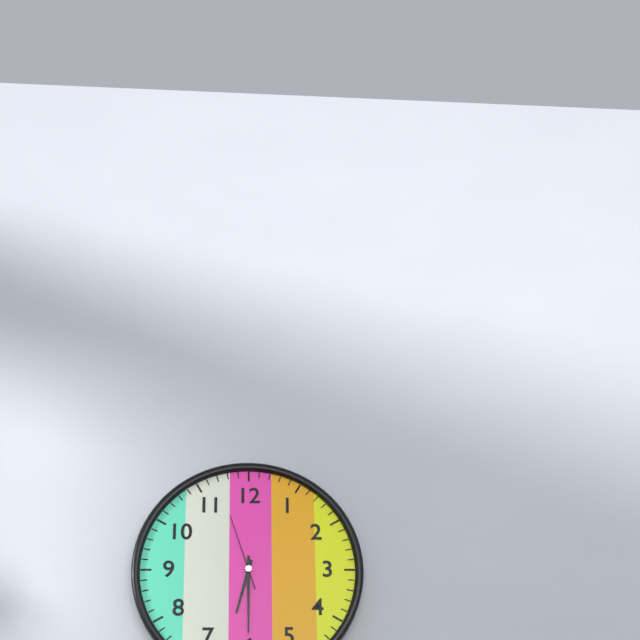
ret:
6:30:57
